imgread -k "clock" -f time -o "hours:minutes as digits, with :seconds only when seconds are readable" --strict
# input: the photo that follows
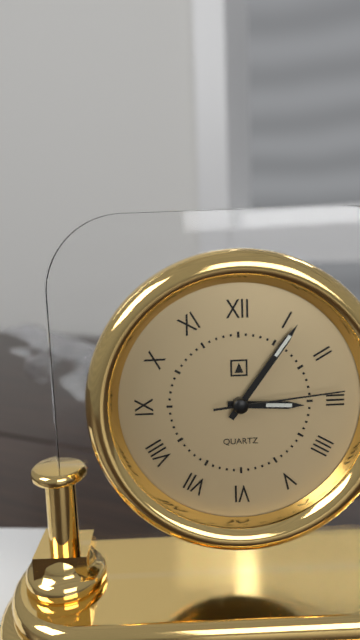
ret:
3:06:14
